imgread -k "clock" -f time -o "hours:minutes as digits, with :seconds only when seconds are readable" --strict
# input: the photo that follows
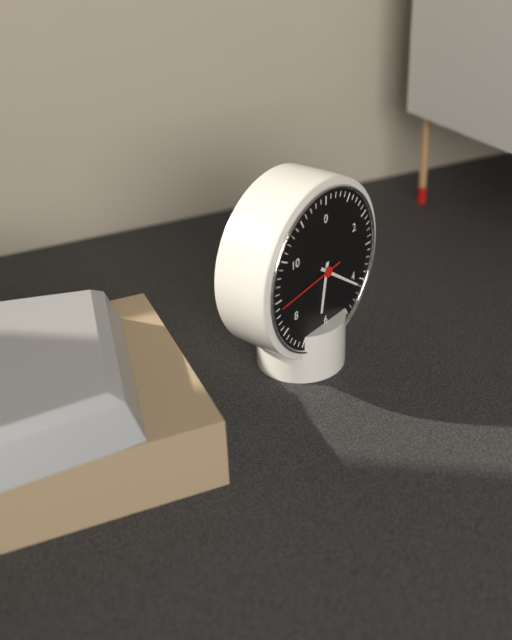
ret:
6:21:44
